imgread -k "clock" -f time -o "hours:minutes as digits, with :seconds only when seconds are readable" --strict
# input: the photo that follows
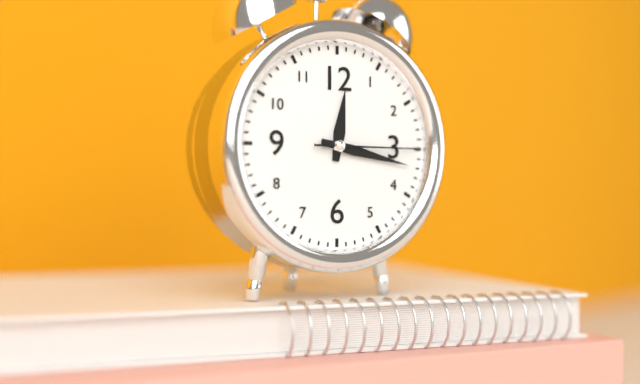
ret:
12:17:15
